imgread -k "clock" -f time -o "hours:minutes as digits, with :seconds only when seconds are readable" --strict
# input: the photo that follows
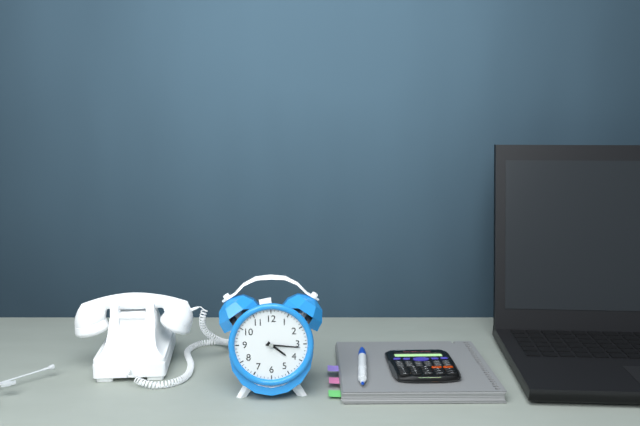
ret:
4:16
